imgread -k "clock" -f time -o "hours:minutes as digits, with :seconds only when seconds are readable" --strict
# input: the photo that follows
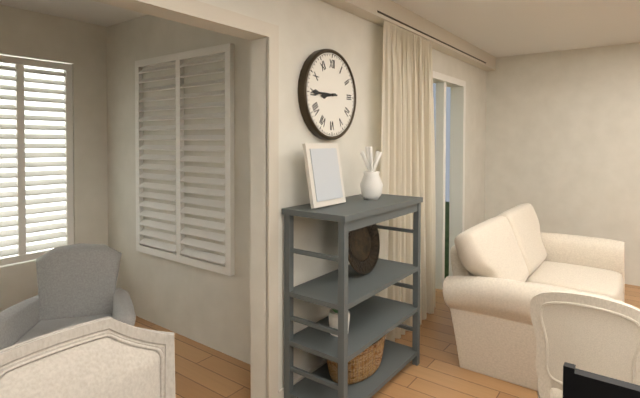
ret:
8:45
